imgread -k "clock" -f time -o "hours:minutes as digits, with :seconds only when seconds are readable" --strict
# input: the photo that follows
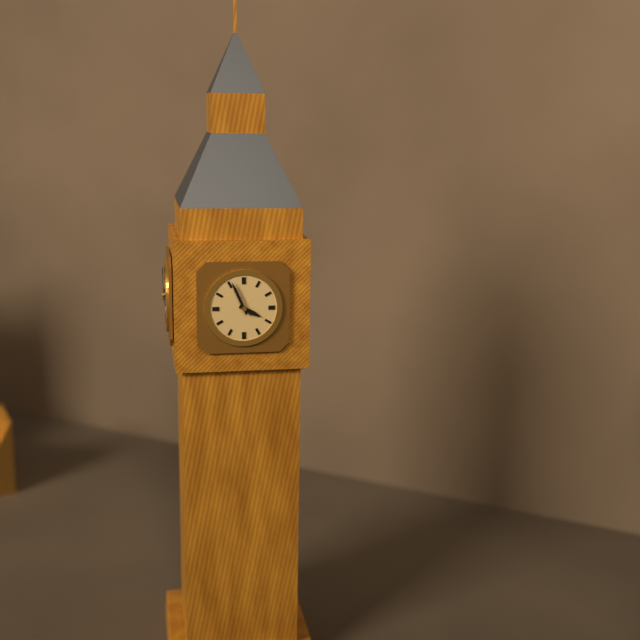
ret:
3:56
